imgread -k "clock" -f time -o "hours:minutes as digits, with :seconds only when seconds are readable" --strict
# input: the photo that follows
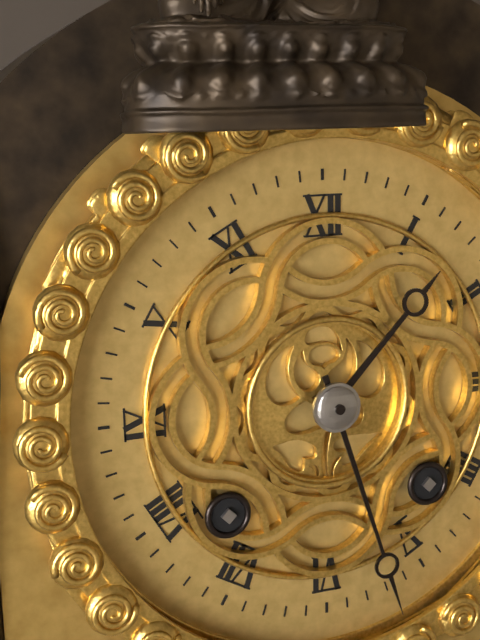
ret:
1:27
